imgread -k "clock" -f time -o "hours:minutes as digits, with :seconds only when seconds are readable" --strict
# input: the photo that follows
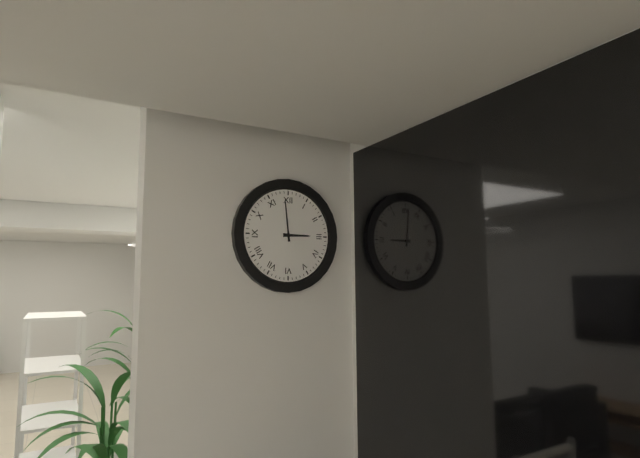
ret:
2:59
